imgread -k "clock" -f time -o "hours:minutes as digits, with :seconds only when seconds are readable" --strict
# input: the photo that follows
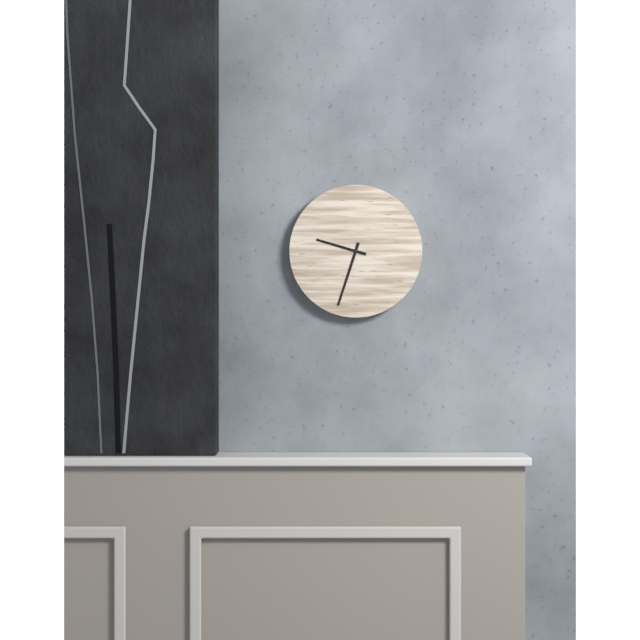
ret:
9:33
